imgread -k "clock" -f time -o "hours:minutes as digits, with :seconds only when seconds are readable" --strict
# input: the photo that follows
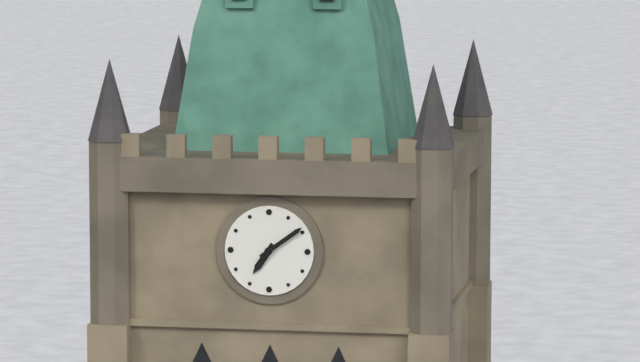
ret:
7:09
